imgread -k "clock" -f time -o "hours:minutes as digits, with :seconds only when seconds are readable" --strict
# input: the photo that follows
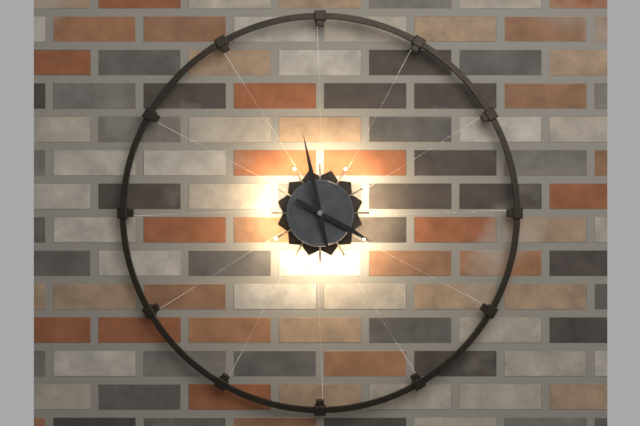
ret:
3:58
